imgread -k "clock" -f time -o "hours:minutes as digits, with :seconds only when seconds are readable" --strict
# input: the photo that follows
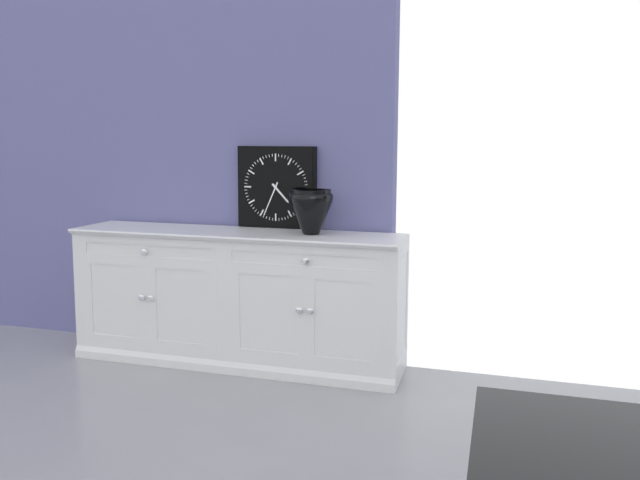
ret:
4:34
